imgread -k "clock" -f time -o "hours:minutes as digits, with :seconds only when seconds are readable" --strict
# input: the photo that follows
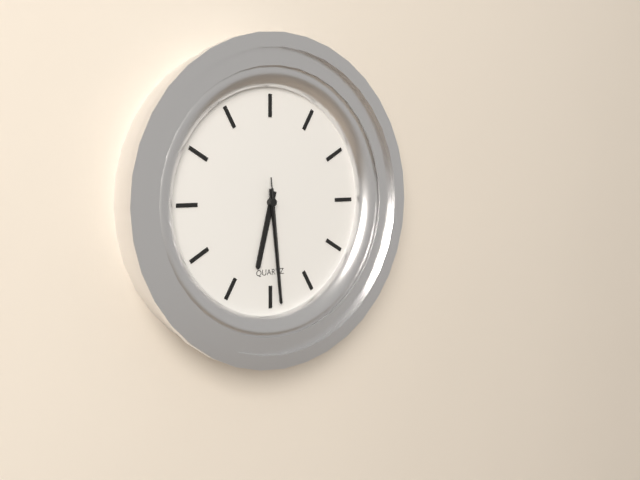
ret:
6:29:29
